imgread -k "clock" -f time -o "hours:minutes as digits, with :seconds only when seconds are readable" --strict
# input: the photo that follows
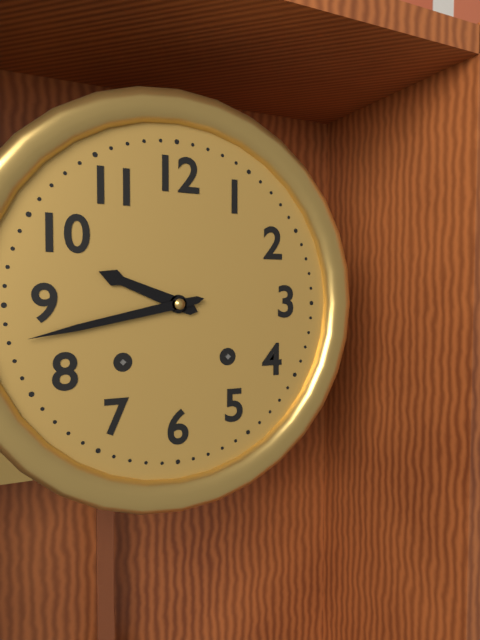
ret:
9:43
